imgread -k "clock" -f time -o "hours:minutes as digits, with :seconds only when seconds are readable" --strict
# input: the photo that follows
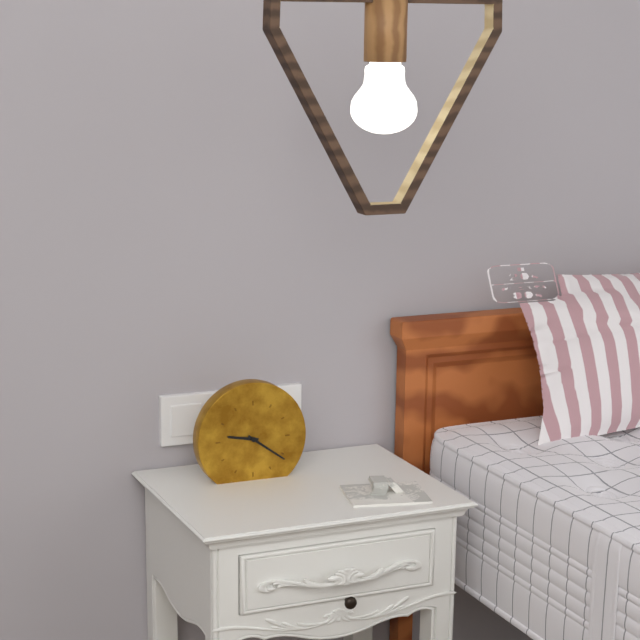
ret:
9:21
